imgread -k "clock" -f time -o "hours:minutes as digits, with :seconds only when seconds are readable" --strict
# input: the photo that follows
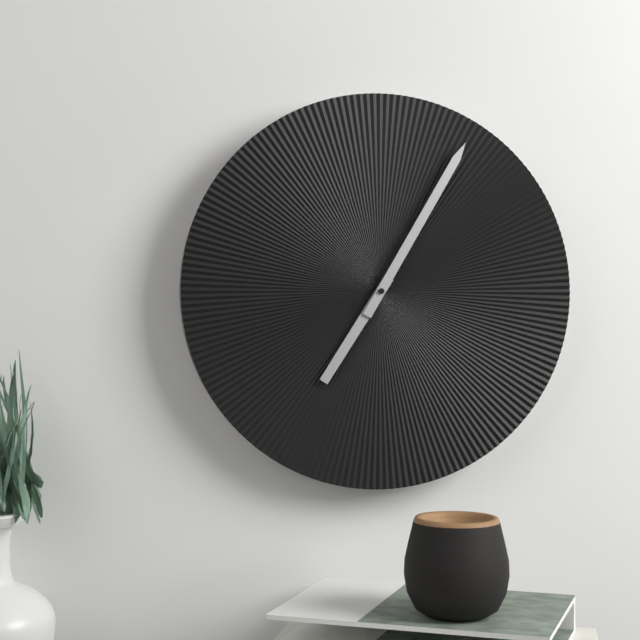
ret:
7:05
